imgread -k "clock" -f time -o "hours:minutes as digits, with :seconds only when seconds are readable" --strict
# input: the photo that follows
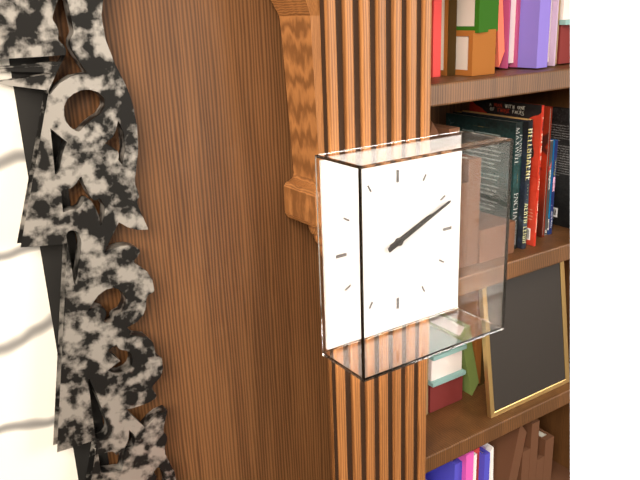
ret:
2:11
